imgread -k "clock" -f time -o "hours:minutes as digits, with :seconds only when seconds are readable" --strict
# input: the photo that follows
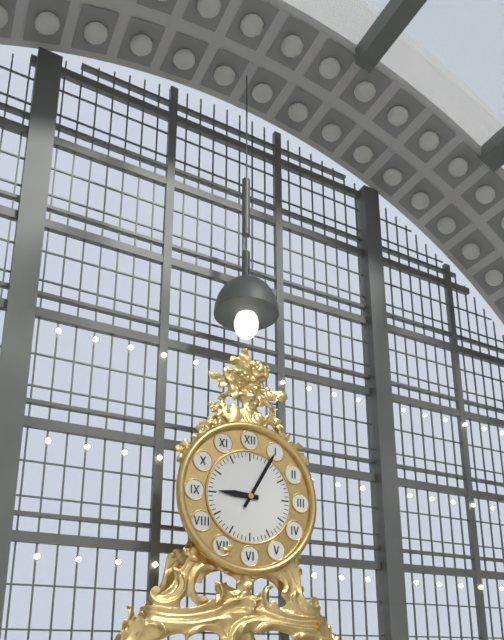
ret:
9:05
